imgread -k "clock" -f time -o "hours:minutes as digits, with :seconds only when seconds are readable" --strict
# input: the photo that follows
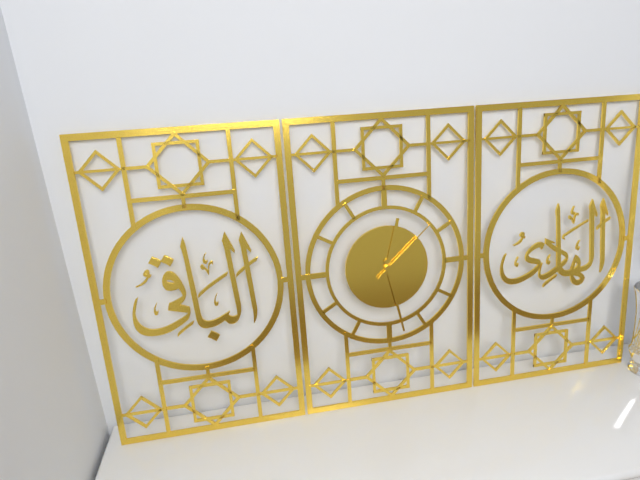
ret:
12:28:08
